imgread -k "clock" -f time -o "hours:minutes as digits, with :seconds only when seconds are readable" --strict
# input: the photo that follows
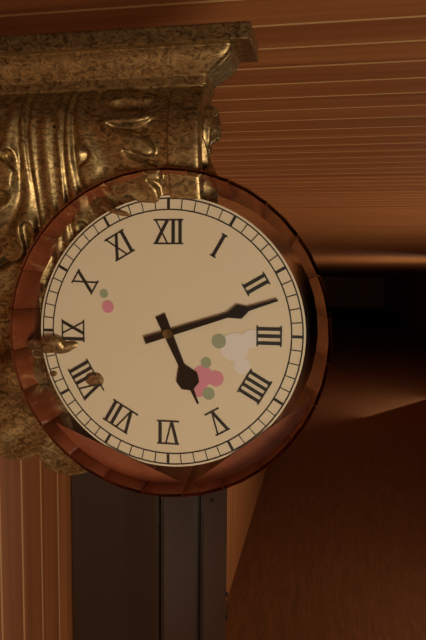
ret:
5:12
